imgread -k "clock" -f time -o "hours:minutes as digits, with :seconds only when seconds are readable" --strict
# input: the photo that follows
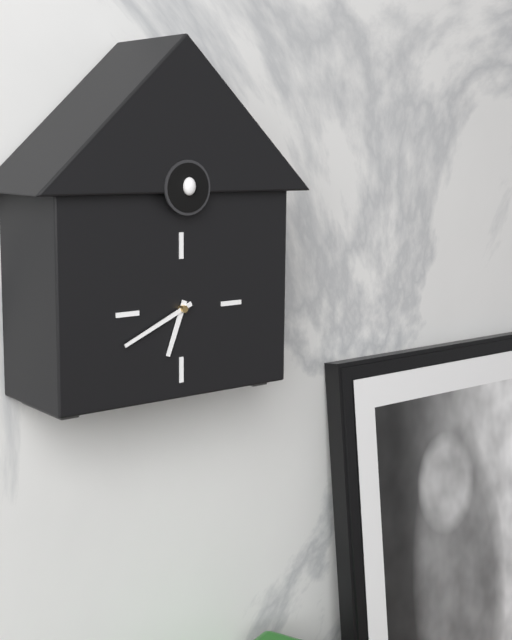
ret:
6:41
